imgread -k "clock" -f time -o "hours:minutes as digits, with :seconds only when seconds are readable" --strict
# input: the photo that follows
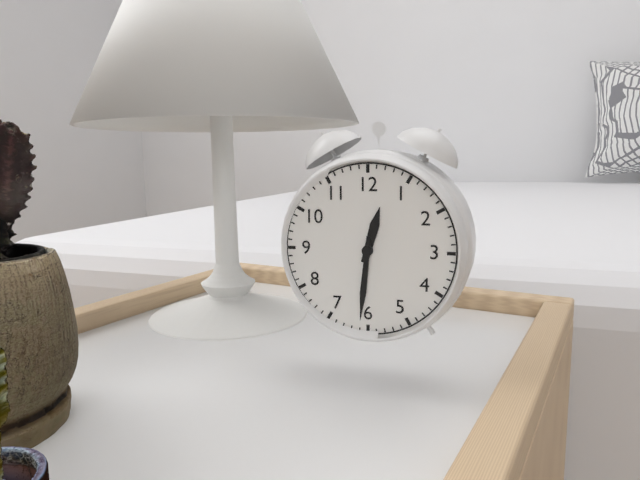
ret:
12:31
